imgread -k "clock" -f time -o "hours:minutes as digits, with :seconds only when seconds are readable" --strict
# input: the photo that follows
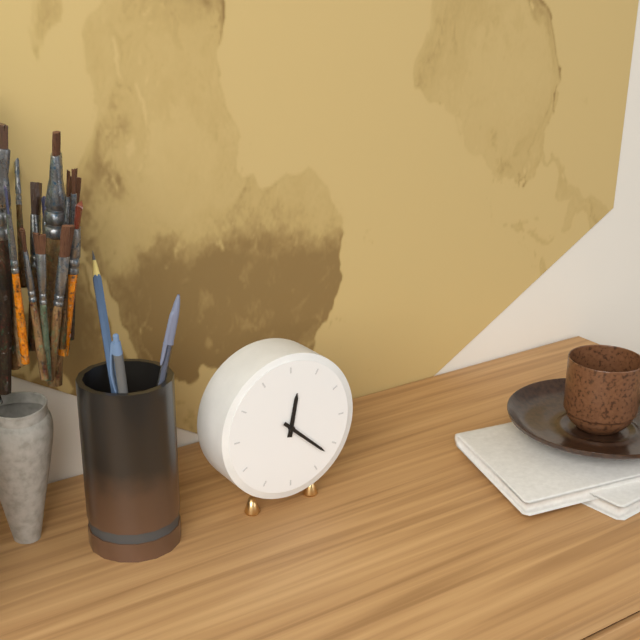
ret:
12:22
